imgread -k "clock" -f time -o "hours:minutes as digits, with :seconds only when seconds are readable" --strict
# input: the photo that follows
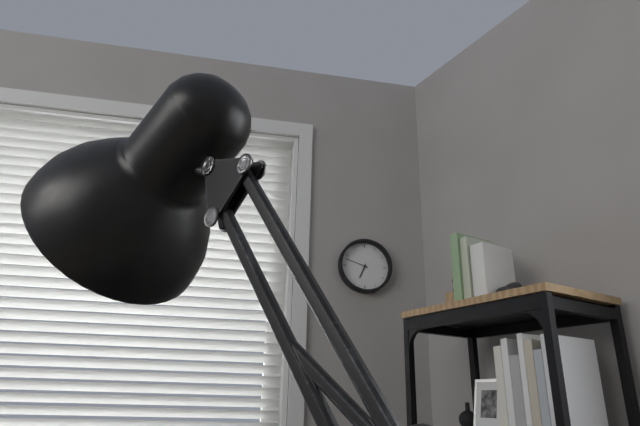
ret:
6:48
